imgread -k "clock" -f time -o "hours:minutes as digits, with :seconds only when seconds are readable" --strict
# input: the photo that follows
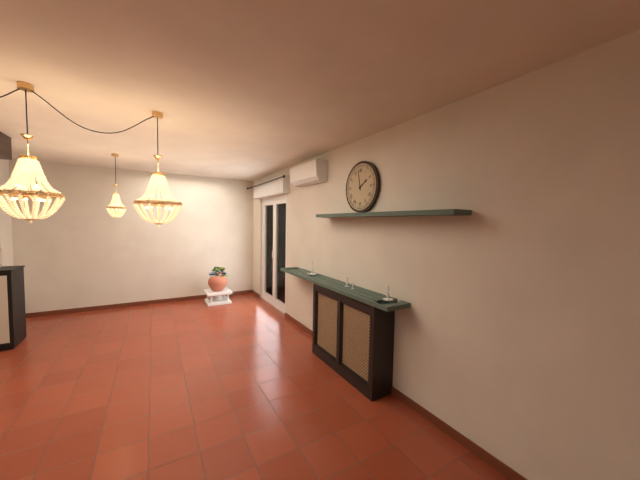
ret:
1:58
